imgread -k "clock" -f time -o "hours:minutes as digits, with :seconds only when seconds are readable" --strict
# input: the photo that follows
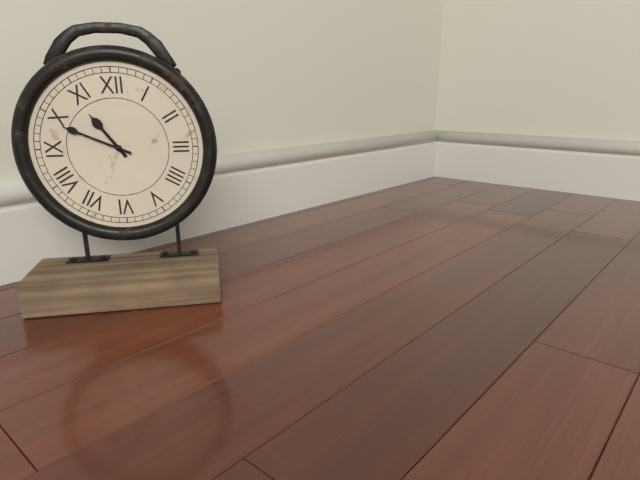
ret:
10:49
